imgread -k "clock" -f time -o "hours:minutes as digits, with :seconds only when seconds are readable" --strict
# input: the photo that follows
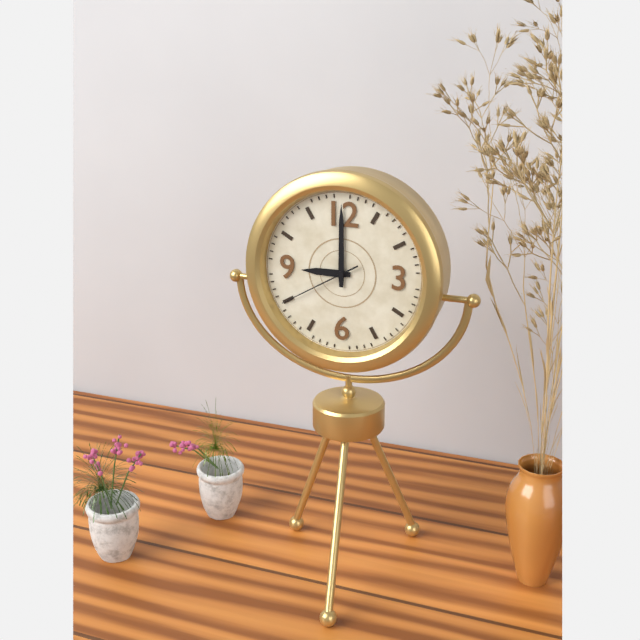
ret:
9:00:40
